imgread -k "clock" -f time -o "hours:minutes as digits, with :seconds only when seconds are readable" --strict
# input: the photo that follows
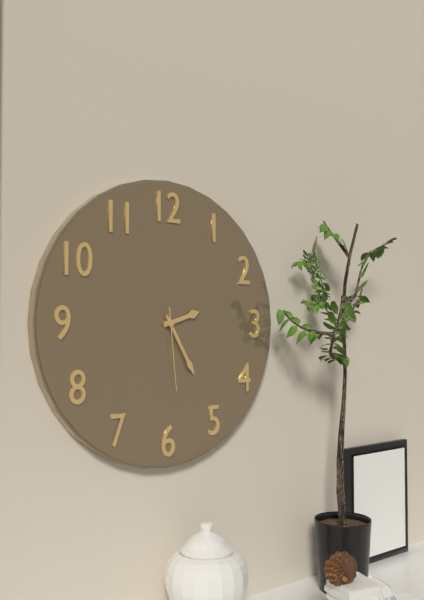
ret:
2:25:29
